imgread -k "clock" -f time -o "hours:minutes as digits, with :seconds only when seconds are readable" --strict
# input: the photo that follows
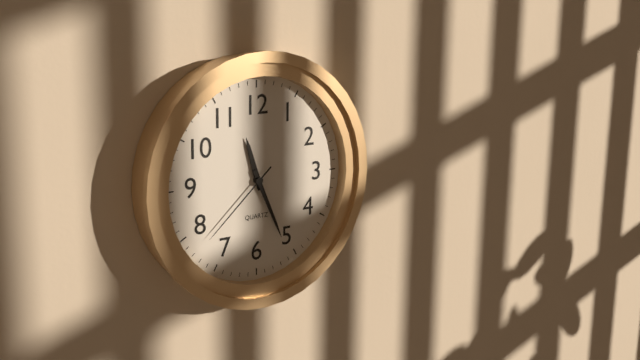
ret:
11:26:38
